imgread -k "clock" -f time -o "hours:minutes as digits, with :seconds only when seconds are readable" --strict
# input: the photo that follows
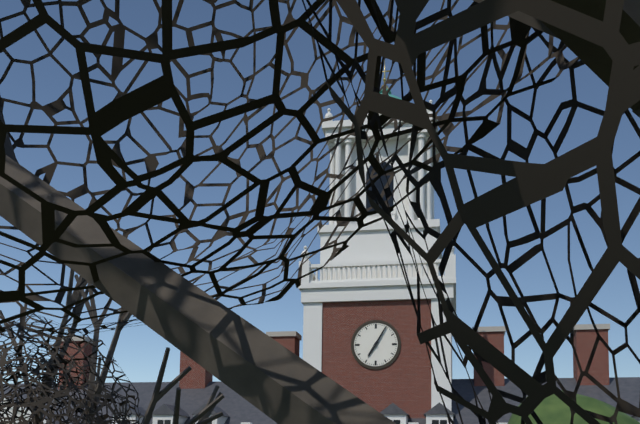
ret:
7:05
